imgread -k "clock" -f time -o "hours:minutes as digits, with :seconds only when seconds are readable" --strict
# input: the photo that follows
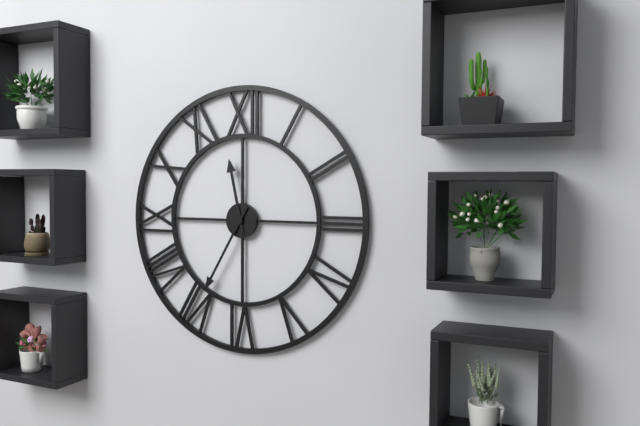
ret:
11:35
